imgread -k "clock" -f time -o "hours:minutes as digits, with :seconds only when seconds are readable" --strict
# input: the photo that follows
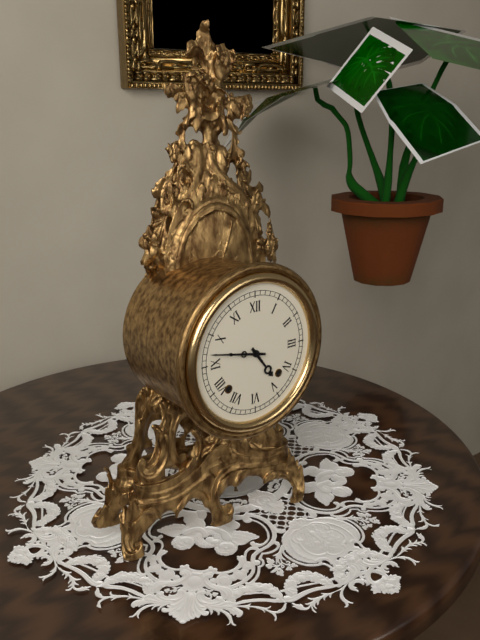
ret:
4:47
